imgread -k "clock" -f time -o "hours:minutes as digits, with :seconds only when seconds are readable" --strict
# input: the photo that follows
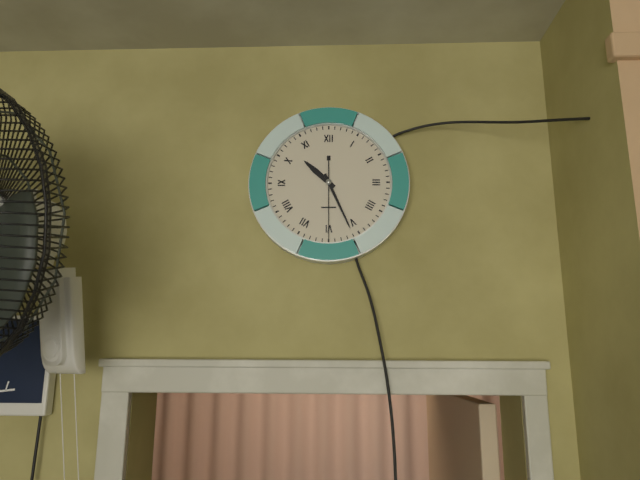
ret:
10:26:30
